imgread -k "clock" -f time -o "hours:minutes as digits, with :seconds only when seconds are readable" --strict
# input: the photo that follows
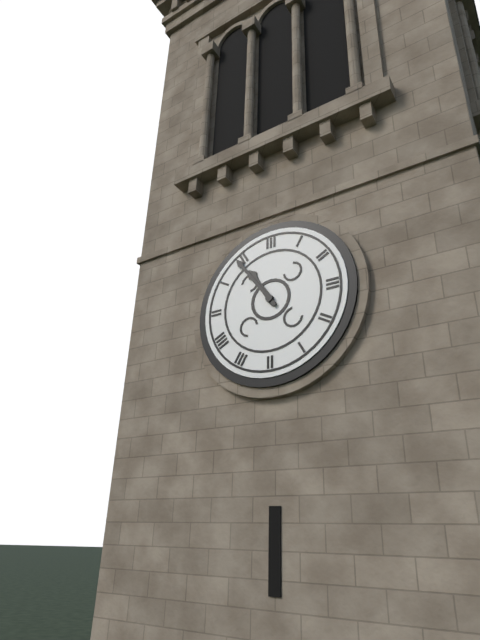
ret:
10:54
